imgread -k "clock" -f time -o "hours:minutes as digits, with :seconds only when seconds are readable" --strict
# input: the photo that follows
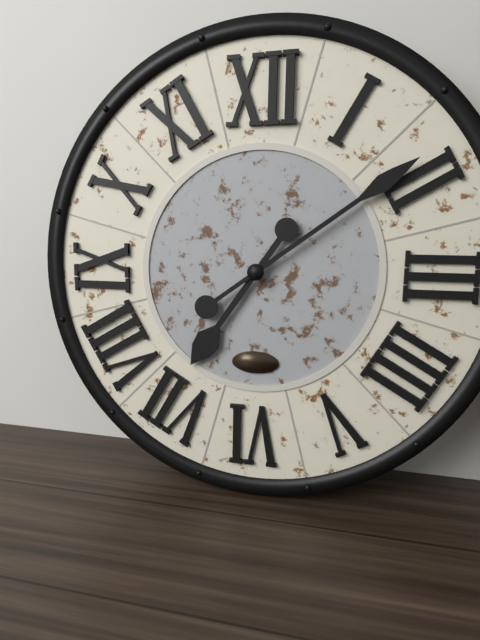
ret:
7:09
